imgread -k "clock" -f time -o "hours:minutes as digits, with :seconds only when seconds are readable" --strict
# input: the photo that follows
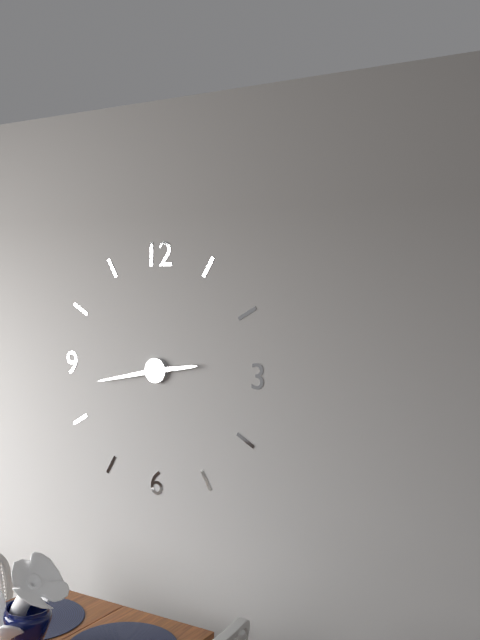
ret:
2:43
